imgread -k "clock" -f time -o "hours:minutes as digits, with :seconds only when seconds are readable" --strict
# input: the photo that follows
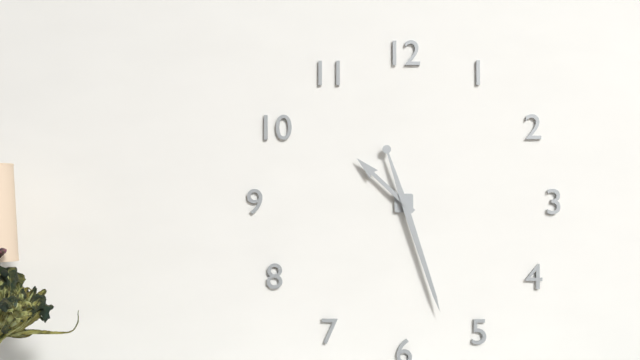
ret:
10:27
